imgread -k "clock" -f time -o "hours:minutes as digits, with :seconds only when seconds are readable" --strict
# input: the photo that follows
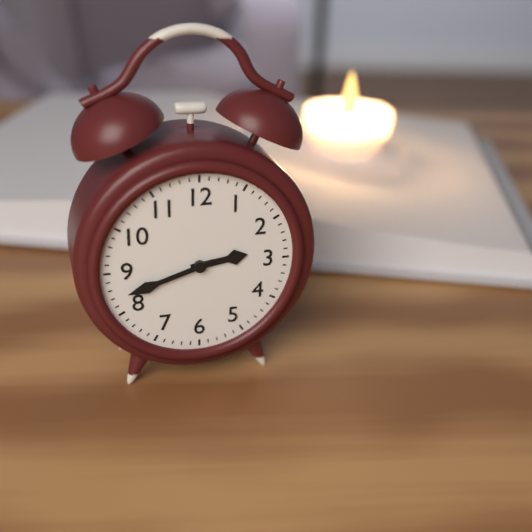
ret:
2:42
